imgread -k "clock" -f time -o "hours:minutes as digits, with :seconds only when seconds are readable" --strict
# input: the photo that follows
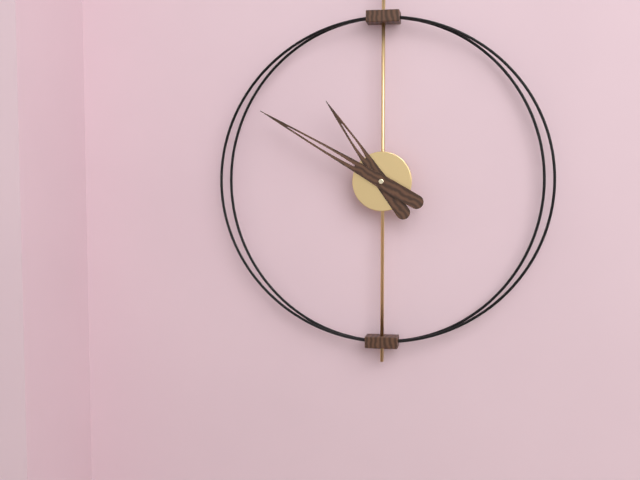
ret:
10:50
